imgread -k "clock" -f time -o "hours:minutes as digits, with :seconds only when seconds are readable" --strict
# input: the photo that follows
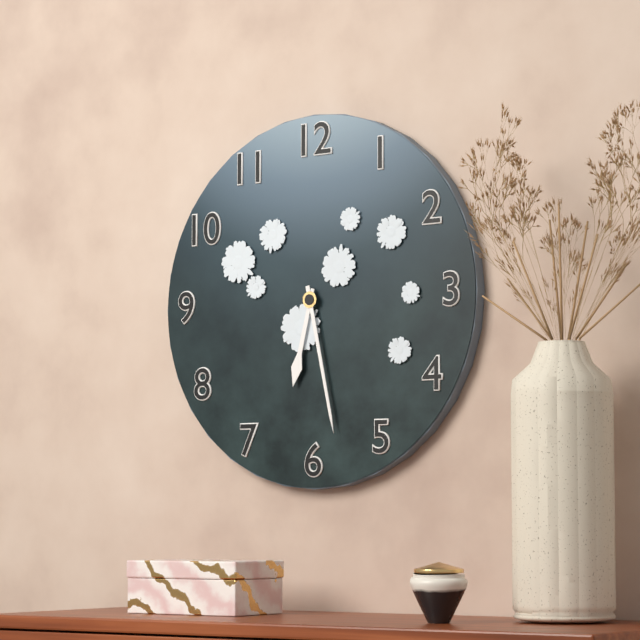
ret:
6:28
